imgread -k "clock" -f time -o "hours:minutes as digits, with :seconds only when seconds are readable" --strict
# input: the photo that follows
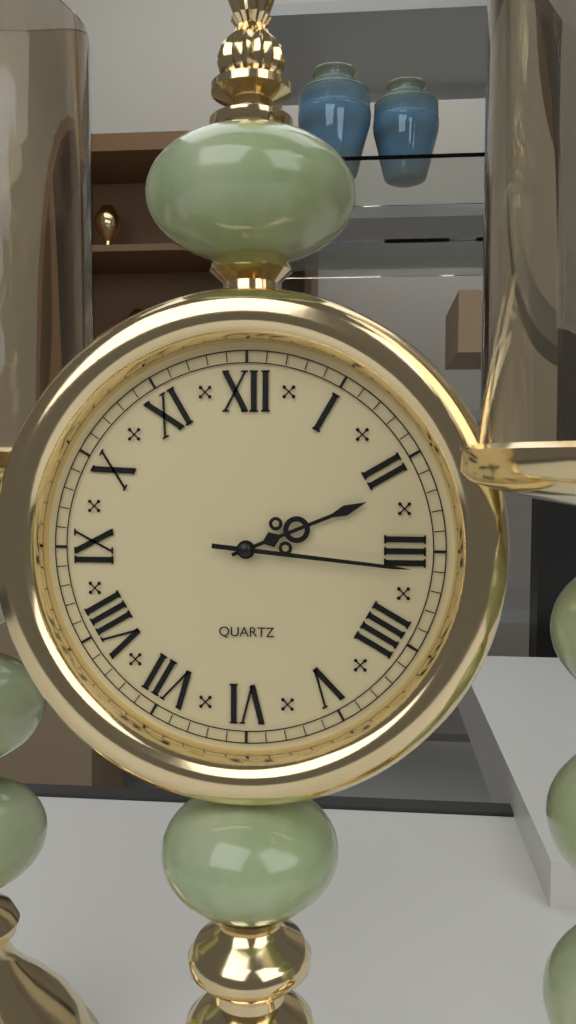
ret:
2:16
